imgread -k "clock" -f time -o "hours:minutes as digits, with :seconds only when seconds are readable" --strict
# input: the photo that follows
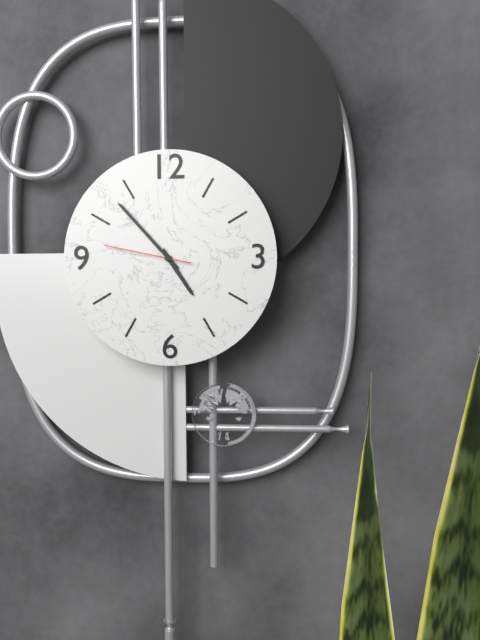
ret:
4:53:47
